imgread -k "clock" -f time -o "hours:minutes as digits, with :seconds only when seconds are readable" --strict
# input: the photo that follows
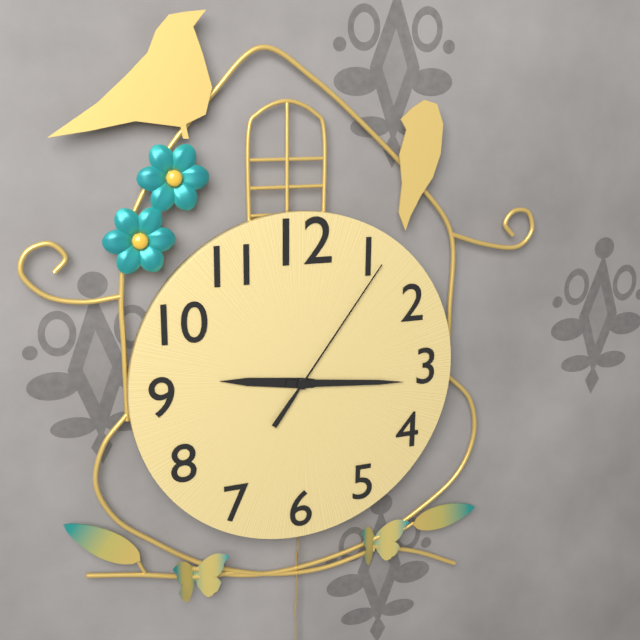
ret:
9:16:06
